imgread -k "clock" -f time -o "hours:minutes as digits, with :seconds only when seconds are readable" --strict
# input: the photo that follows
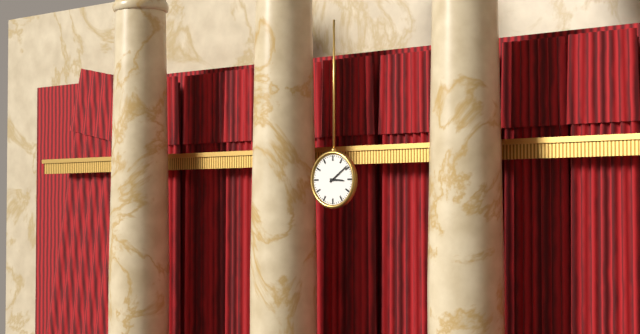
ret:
3:09
